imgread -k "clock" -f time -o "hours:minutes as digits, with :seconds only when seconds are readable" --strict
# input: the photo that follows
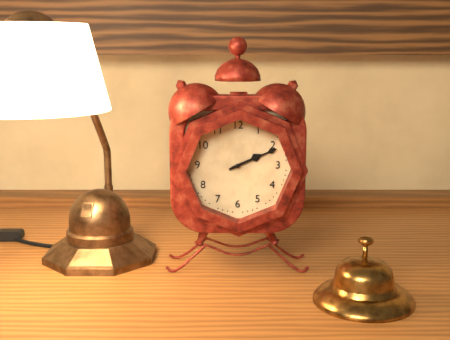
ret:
2:11
